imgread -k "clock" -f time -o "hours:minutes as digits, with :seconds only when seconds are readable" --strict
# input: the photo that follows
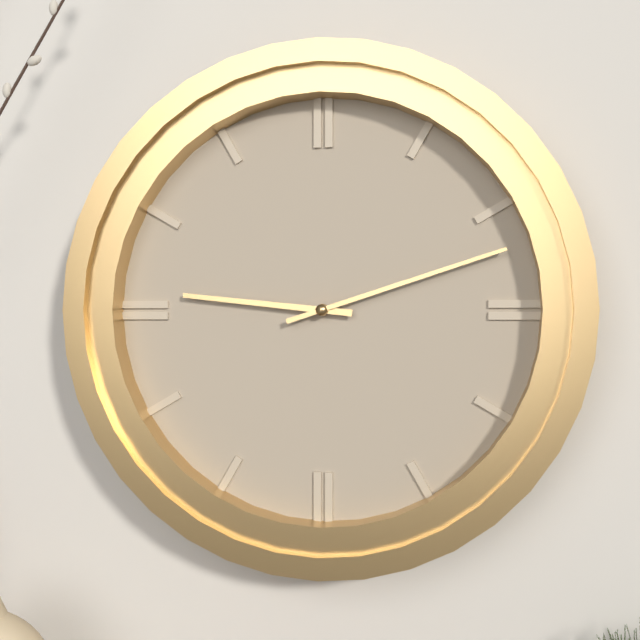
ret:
9:12
